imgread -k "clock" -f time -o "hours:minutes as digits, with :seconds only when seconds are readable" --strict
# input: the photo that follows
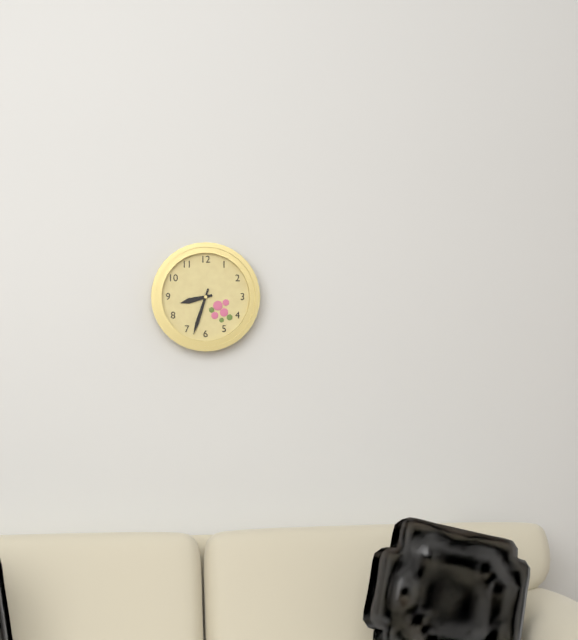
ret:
8:33
